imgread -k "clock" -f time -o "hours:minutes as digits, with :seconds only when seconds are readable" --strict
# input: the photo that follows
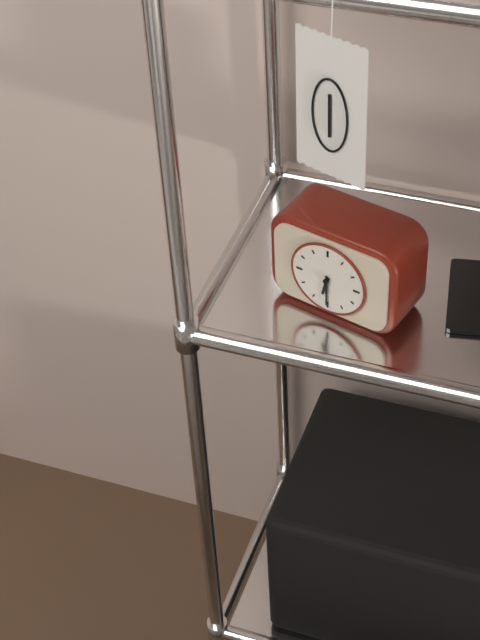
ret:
6:30
